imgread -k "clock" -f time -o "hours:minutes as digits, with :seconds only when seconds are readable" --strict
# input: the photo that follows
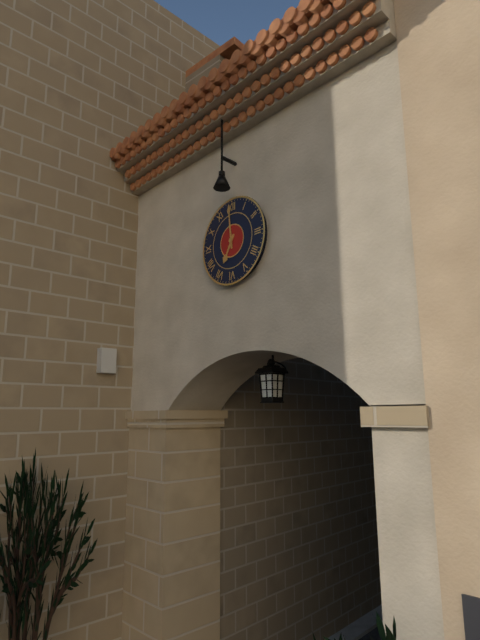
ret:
6:59
